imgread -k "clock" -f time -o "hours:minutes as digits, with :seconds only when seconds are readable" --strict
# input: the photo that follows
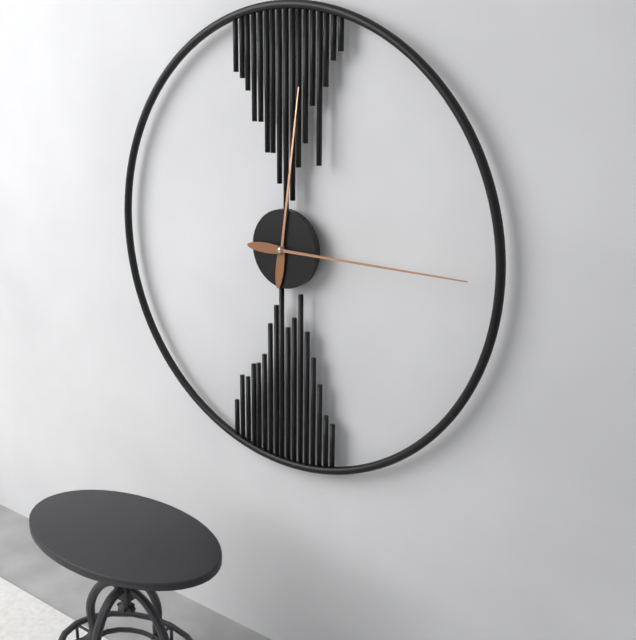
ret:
12:15
